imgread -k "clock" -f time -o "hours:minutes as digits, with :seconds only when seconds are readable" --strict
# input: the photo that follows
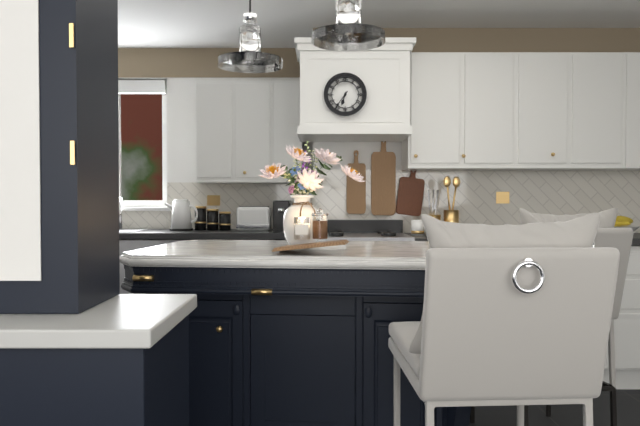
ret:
6:36
